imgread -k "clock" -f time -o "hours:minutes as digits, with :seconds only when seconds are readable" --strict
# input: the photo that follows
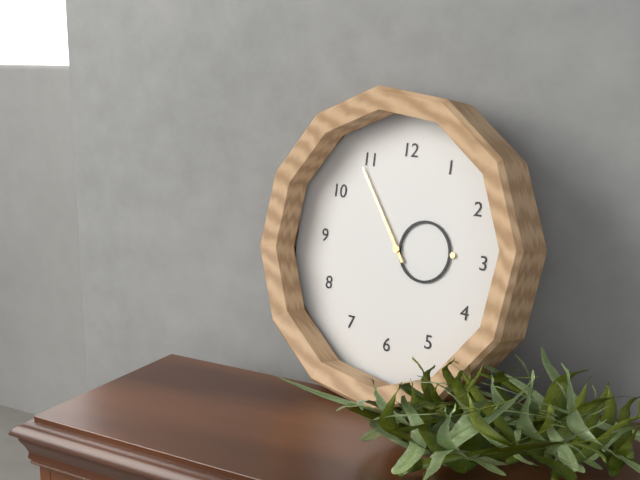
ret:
2:54
